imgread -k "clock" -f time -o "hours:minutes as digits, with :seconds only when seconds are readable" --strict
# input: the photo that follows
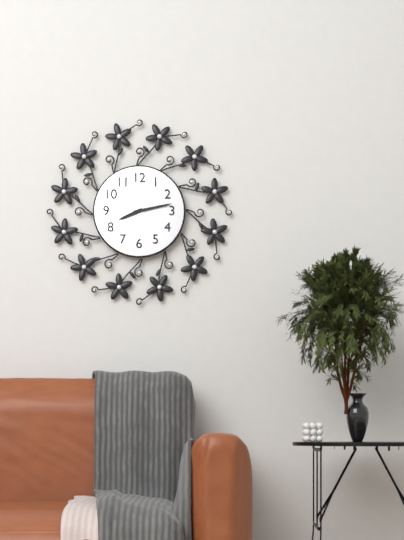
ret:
8:13
